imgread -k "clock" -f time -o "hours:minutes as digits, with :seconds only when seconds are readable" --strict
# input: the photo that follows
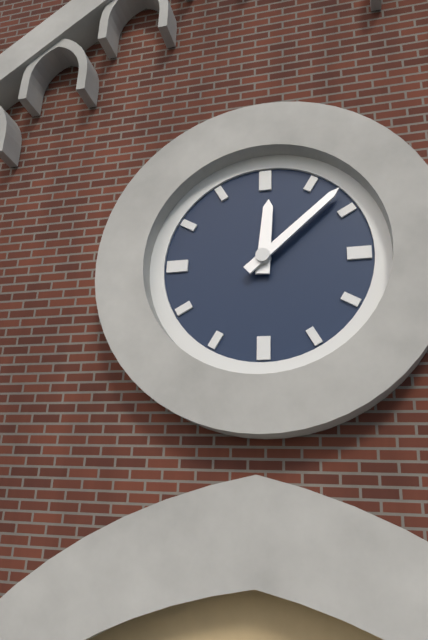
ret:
12:08
